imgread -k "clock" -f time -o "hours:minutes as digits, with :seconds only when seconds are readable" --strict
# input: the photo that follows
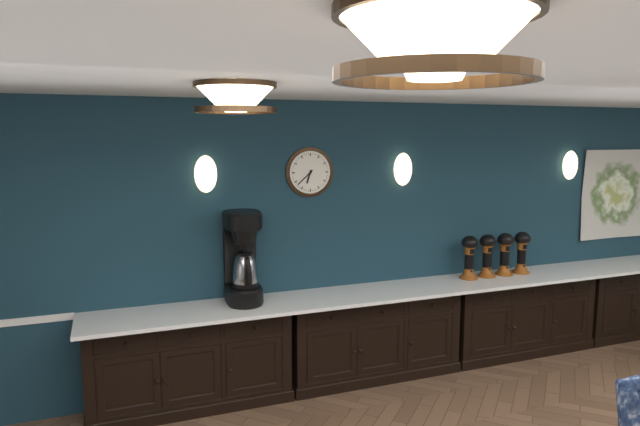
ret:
6:38
